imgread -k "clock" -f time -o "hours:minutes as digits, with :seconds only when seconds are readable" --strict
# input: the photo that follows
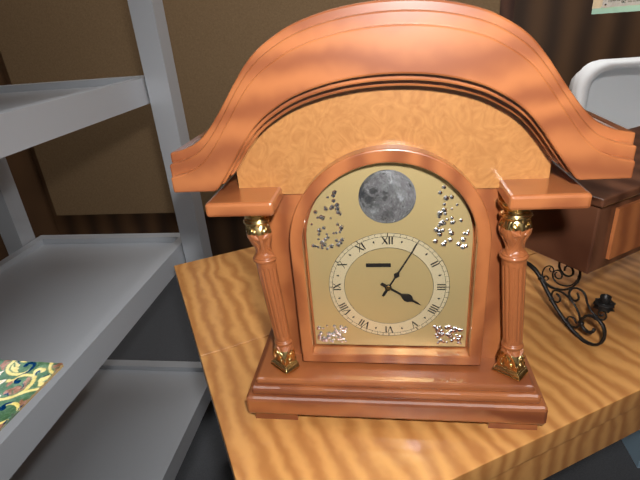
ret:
4:05
